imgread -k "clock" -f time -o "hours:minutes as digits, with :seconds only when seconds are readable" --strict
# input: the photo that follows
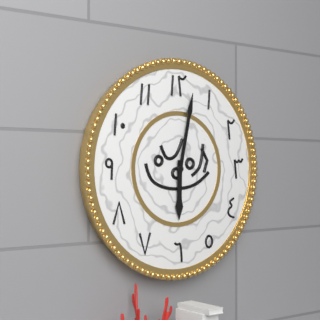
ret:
6:02
